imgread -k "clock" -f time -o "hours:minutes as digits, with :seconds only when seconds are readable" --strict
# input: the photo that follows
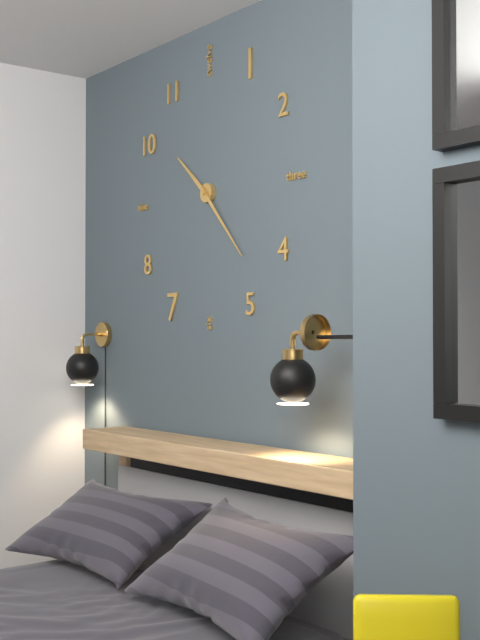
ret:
10:23
